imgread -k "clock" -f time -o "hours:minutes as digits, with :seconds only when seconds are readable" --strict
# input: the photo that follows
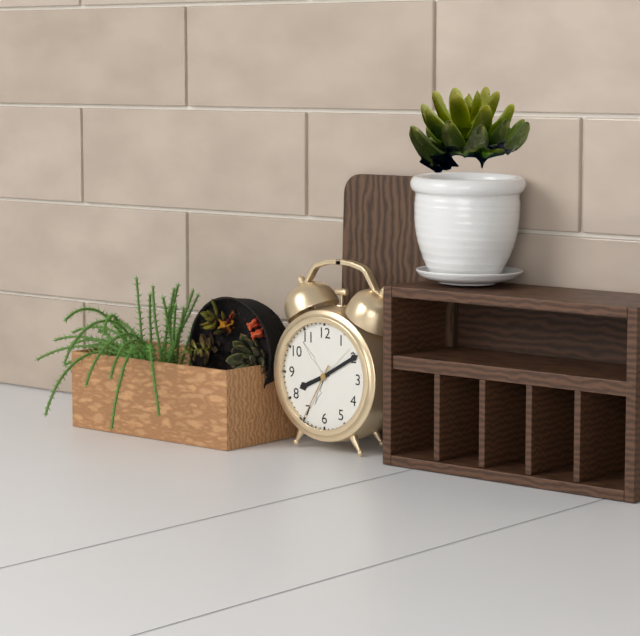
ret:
8:10:35
